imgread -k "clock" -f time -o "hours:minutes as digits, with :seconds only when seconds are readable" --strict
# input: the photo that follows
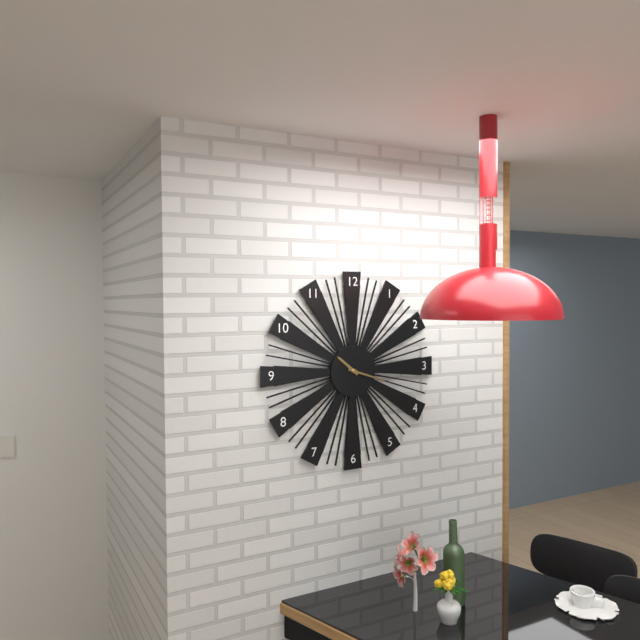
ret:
10:18
